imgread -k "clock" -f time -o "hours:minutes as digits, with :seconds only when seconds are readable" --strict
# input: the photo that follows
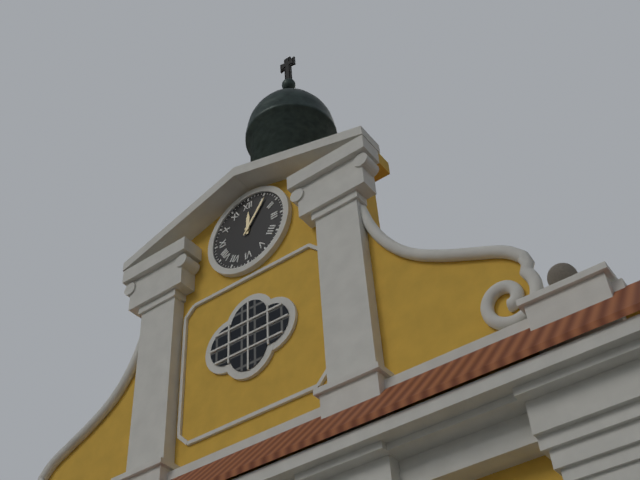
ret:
12:06
